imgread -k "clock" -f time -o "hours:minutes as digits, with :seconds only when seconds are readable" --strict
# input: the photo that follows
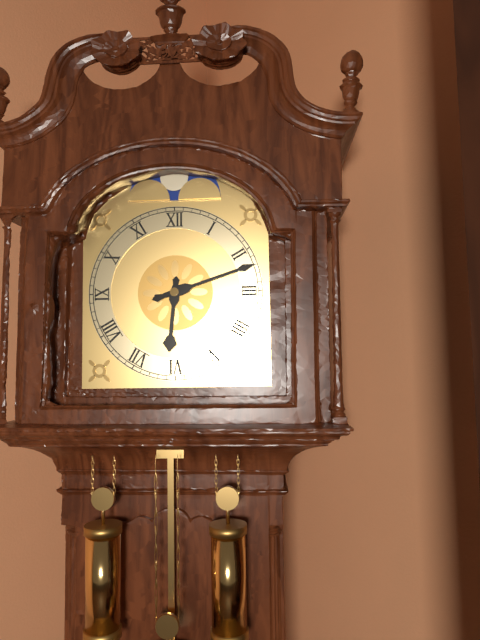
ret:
6:12
